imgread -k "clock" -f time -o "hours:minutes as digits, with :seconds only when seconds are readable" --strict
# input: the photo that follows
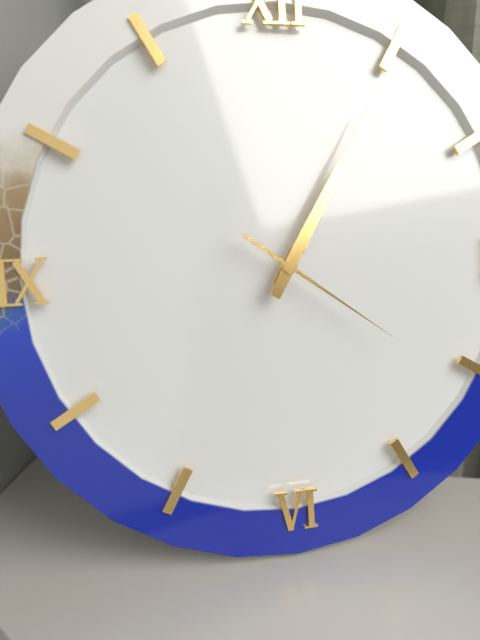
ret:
1:05:21
